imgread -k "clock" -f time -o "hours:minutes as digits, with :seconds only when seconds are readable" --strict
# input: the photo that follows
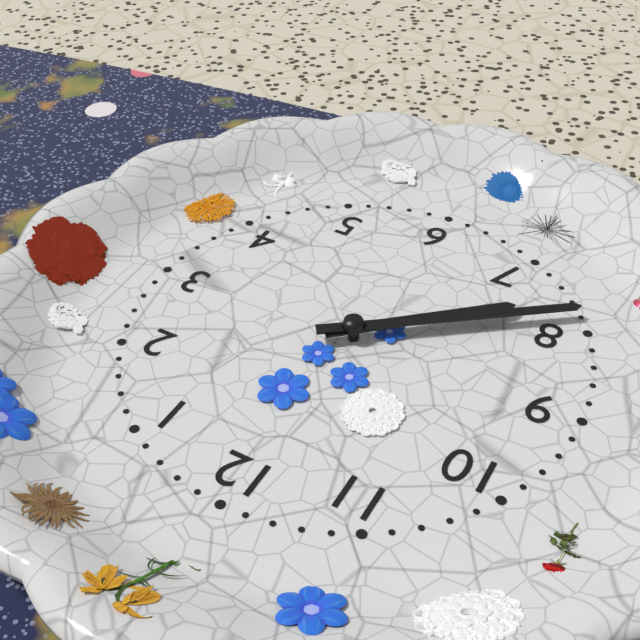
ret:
7:39
